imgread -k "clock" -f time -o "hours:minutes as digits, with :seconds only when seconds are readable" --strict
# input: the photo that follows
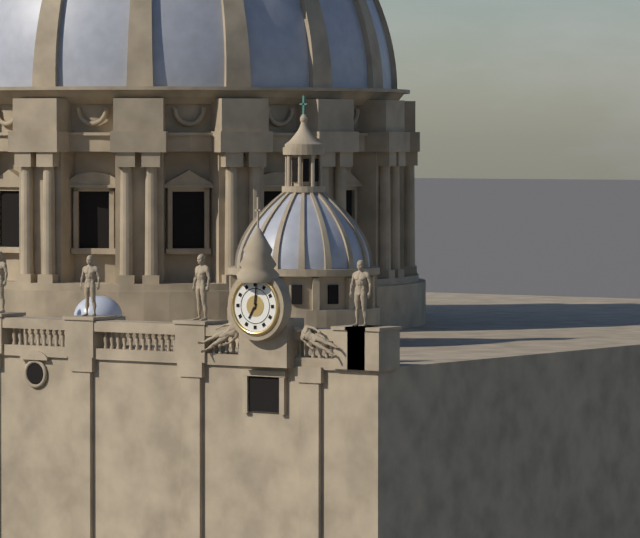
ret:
7:01
